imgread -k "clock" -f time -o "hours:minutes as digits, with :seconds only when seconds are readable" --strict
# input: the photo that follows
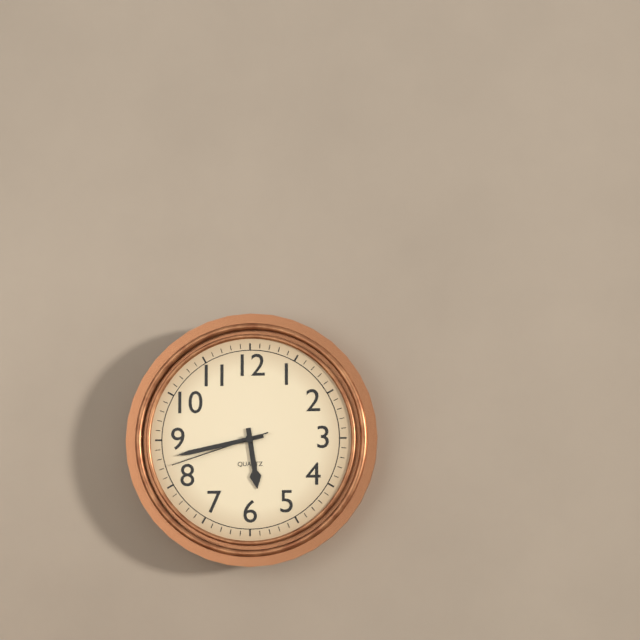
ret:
5:43:42
